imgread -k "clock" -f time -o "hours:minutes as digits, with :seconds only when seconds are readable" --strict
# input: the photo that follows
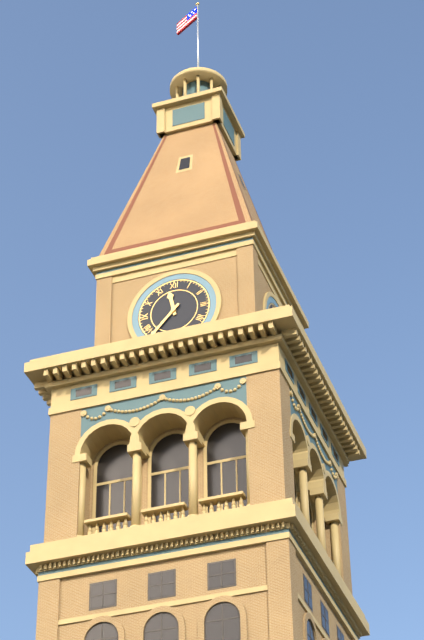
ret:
11:37
